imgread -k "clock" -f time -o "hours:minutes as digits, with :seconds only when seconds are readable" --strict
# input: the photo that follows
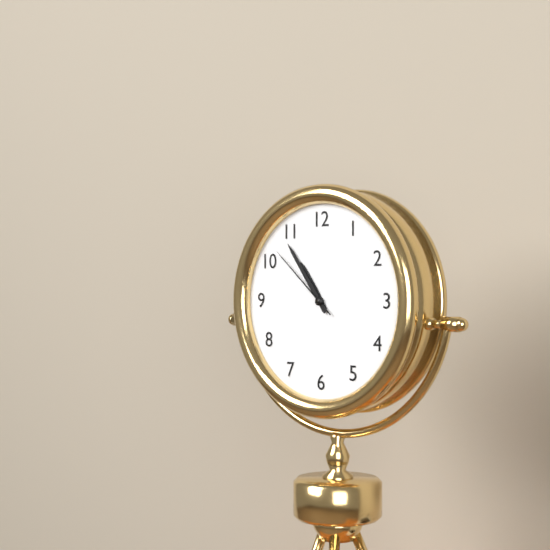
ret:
10:54:52
